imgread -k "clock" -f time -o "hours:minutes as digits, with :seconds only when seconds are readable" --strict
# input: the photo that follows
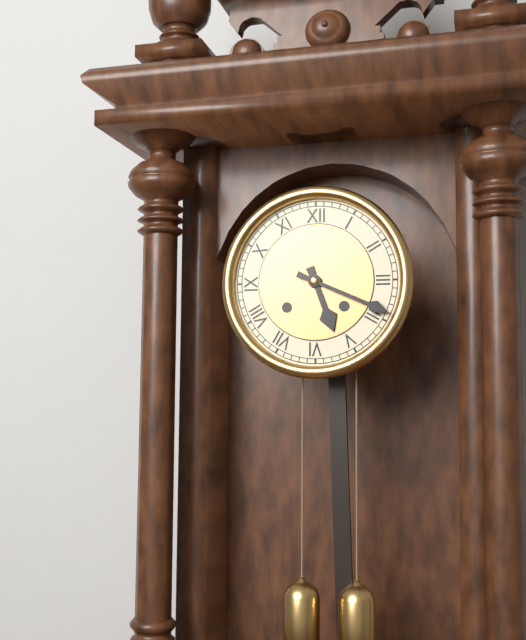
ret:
5:19
